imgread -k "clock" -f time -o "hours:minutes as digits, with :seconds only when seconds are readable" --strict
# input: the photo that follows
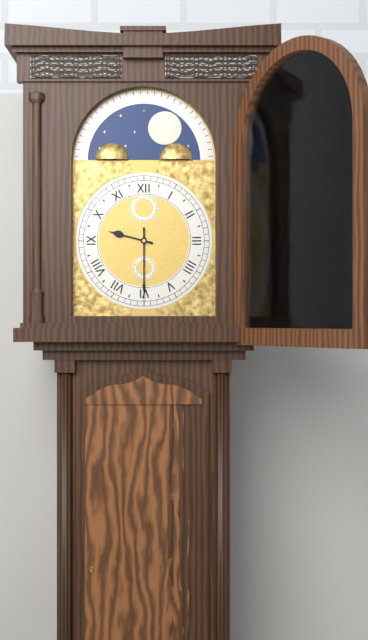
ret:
9:30
